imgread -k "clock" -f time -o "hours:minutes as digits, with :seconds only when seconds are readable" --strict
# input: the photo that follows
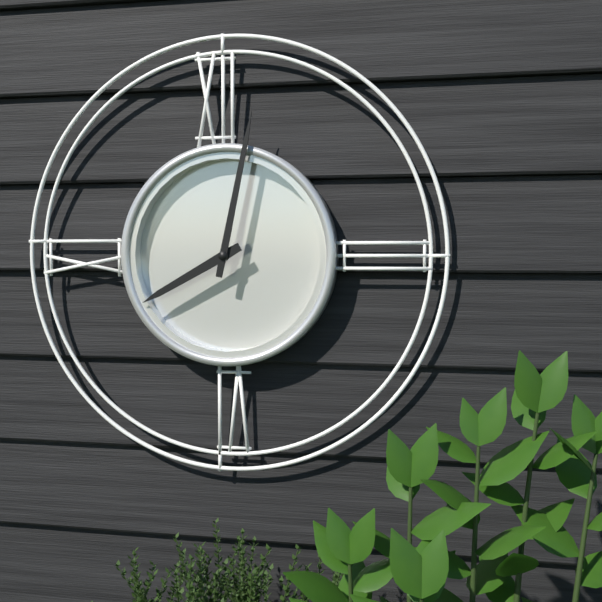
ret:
8:02
